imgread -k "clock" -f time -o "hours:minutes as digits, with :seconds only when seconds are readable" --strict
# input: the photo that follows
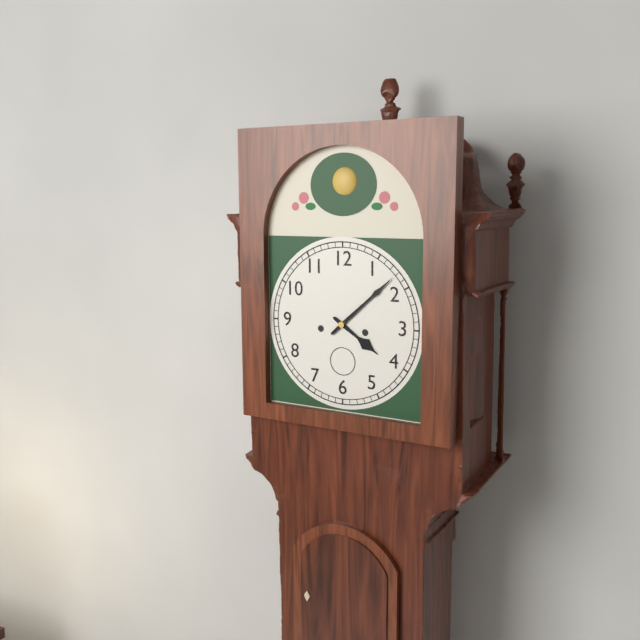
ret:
4:08
